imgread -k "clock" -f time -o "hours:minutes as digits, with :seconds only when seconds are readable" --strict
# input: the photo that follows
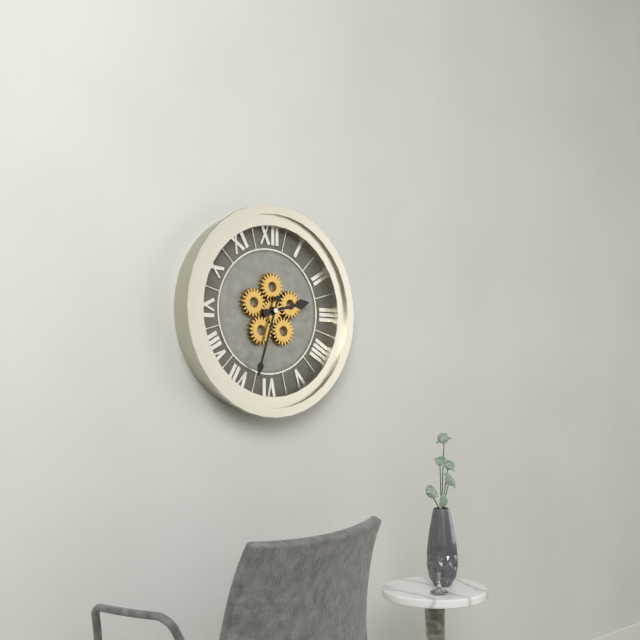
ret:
2:33
